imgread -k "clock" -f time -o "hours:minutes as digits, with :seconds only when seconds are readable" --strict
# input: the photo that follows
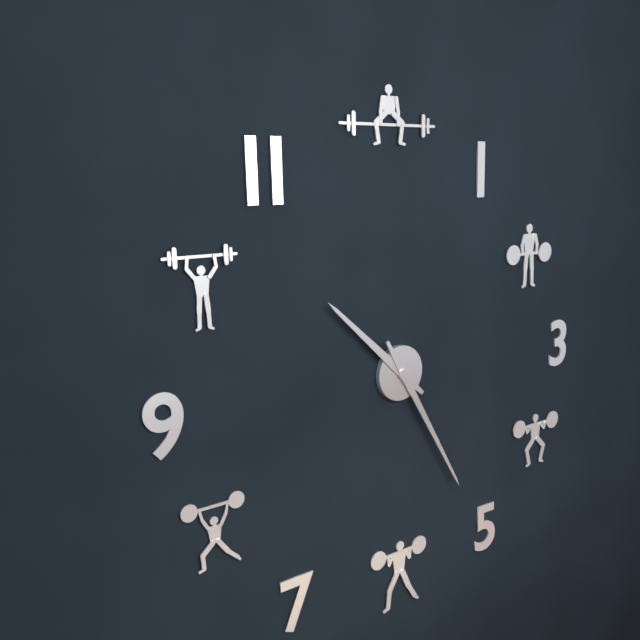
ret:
10:25
